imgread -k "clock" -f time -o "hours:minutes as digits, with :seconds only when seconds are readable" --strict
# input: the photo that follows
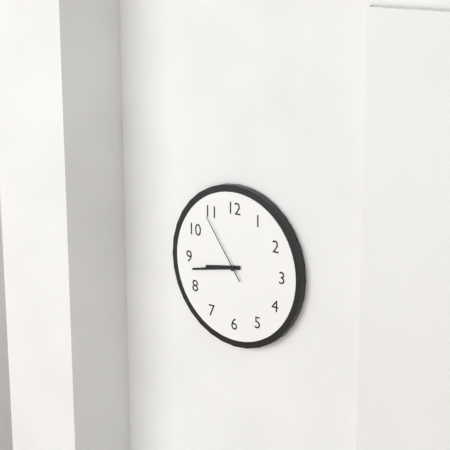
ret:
8:43:54
